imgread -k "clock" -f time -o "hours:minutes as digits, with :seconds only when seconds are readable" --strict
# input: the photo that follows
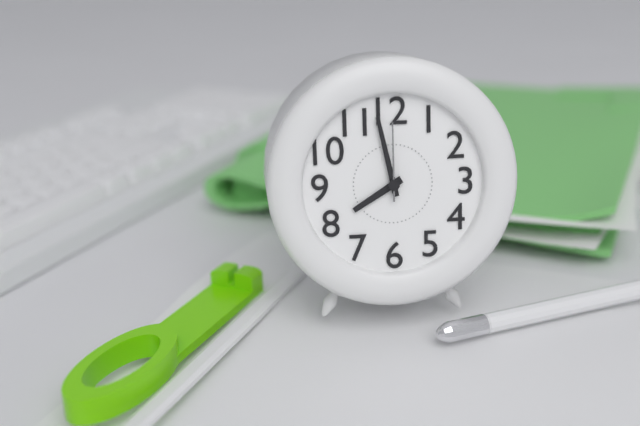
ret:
7:58:00
